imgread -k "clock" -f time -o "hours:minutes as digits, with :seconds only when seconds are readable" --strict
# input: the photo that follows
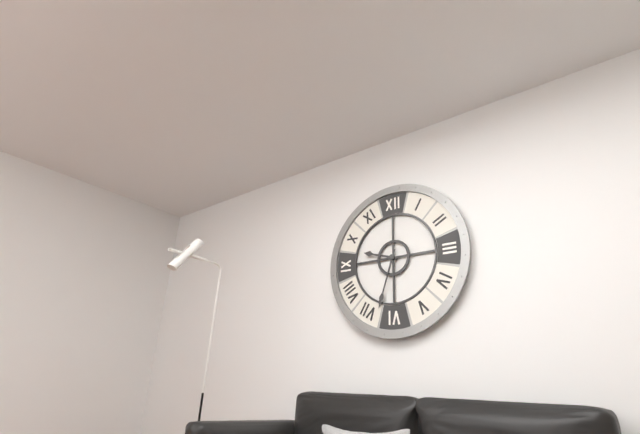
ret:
9:33
